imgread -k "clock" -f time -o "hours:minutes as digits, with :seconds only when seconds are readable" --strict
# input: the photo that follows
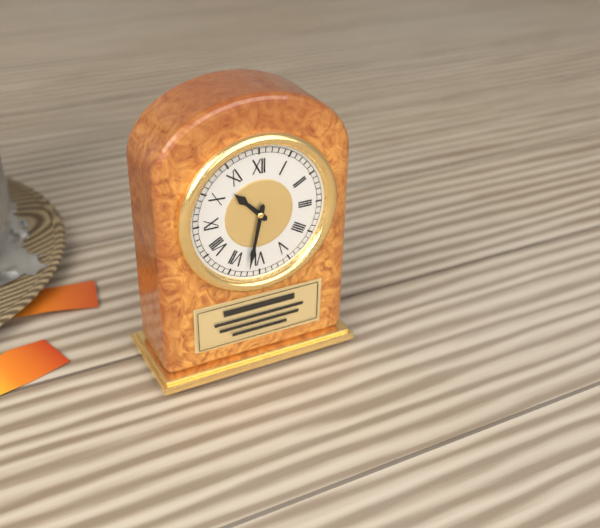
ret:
10:32
